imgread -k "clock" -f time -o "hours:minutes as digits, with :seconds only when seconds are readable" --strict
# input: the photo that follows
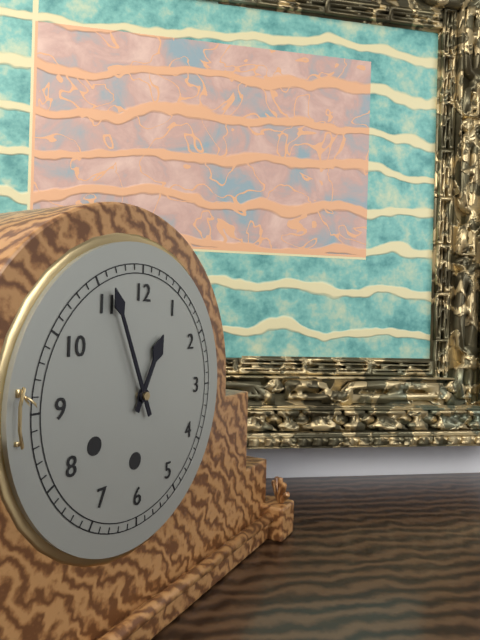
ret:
12:56
